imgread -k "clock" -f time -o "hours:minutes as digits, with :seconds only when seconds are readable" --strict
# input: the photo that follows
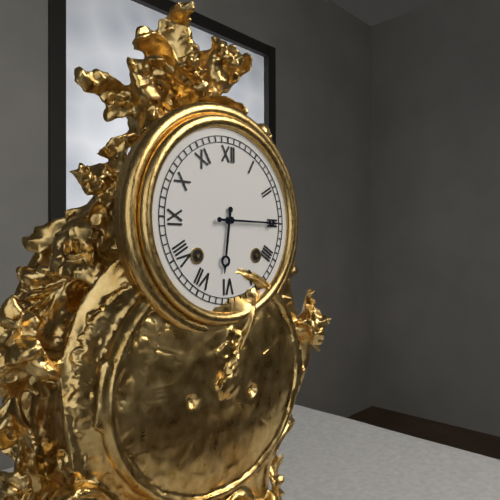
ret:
6:15
